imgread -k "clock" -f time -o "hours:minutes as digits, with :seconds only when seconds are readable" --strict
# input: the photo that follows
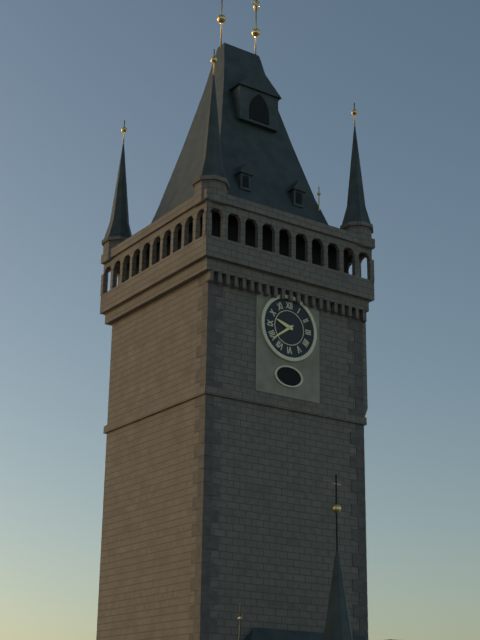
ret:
9:39
